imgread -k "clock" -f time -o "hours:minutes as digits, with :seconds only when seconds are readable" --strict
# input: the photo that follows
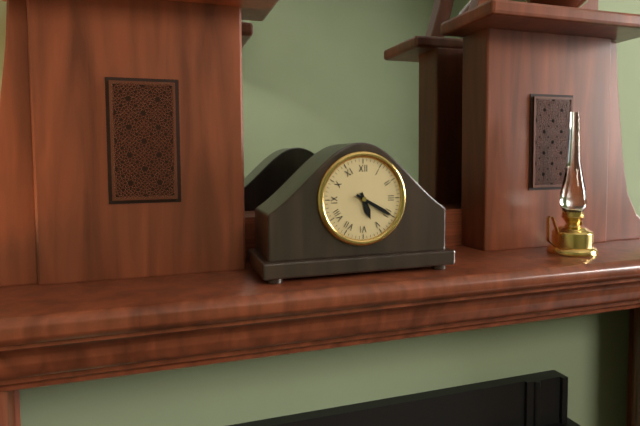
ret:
5:20
